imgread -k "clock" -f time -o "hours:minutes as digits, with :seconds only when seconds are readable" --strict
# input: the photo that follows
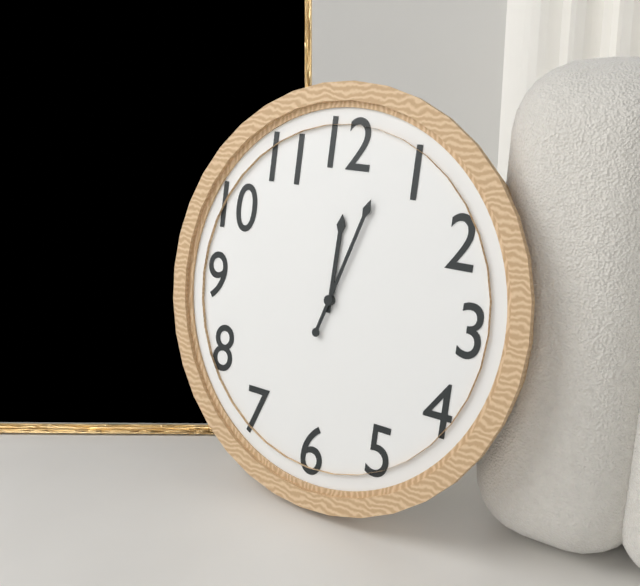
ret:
12:03
